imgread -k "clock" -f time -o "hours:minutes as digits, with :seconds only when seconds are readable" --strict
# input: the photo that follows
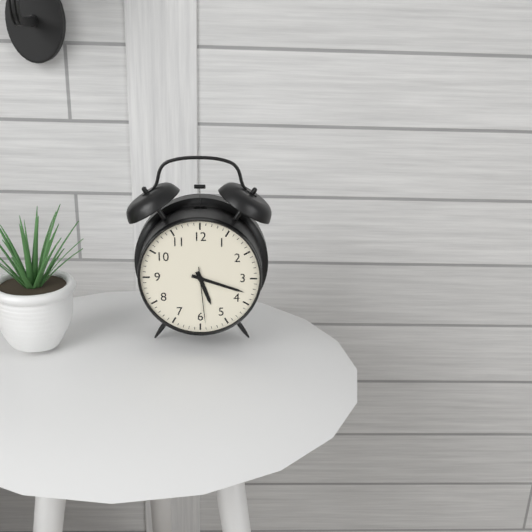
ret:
5:18:29
